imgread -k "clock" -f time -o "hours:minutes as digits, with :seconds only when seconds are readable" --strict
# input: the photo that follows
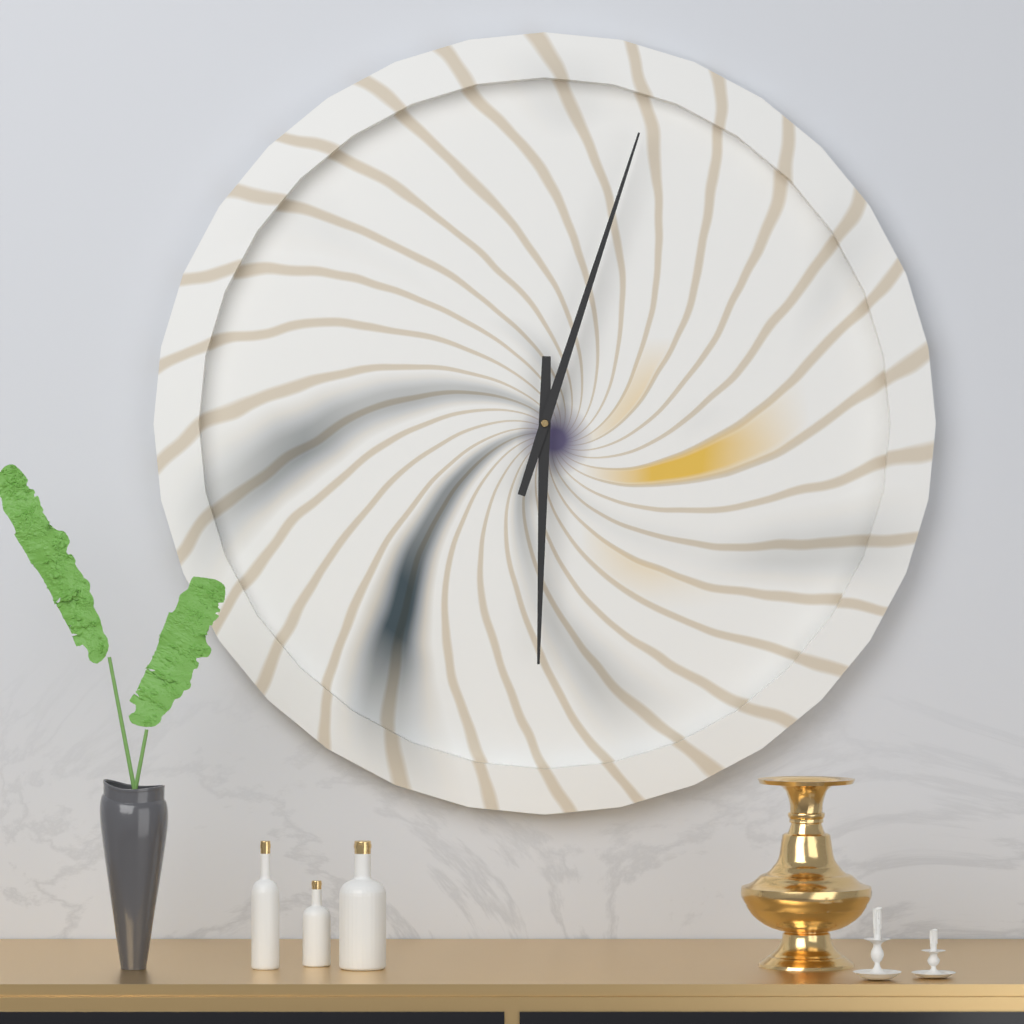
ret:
6:03
